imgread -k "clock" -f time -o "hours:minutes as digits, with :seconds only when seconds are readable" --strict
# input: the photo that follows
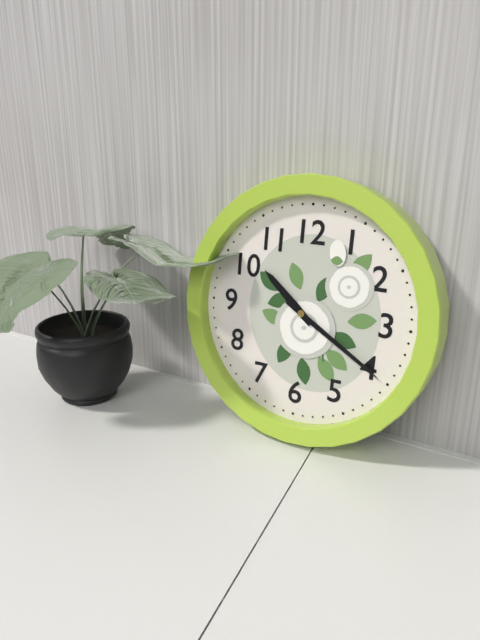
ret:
10:20
